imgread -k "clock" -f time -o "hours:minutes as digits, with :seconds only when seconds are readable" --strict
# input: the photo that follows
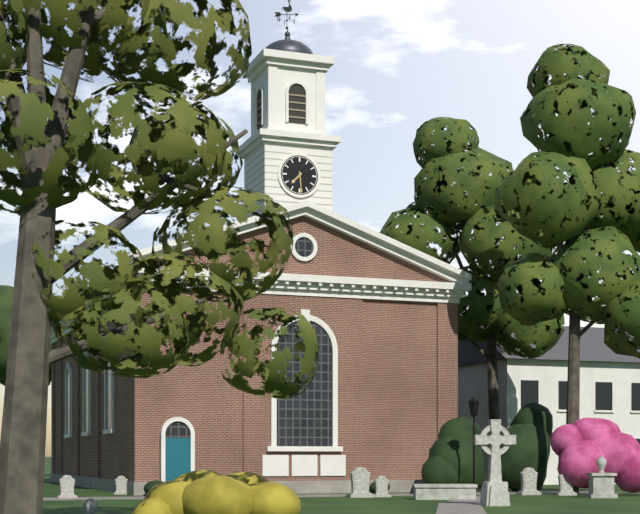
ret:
7:29
